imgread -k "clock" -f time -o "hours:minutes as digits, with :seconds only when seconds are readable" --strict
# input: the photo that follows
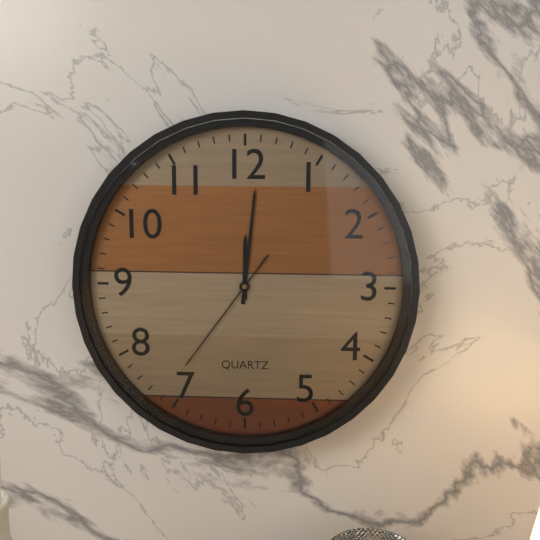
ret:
12:01:36
